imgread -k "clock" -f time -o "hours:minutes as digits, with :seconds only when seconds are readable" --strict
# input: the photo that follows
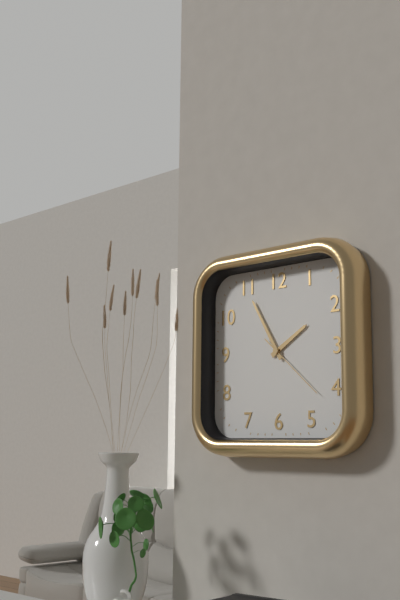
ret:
1:55:22
